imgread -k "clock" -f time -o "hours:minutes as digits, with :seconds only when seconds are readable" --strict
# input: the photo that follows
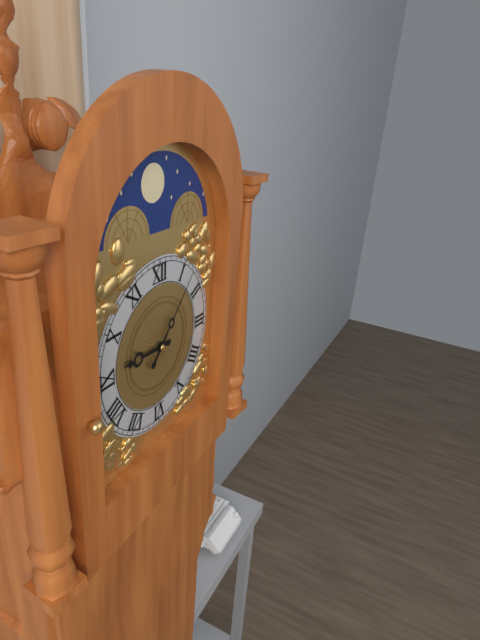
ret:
9:07
